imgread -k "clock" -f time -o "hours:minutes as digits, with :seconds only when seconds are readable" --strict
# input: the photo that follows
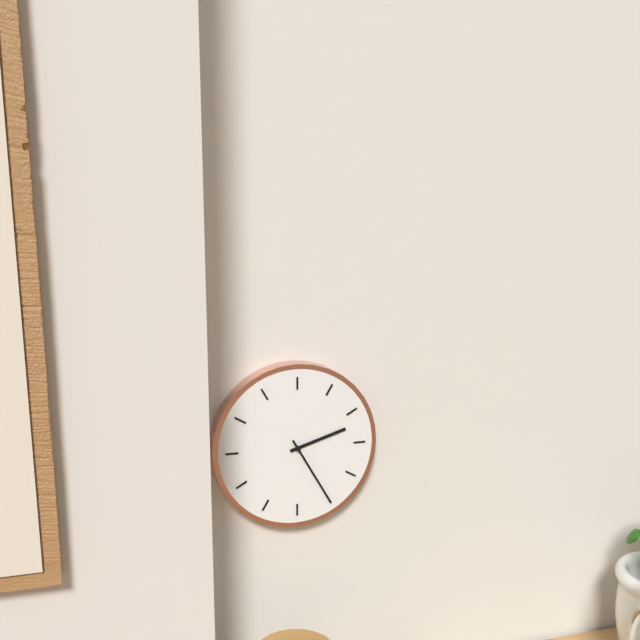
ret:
2:25
